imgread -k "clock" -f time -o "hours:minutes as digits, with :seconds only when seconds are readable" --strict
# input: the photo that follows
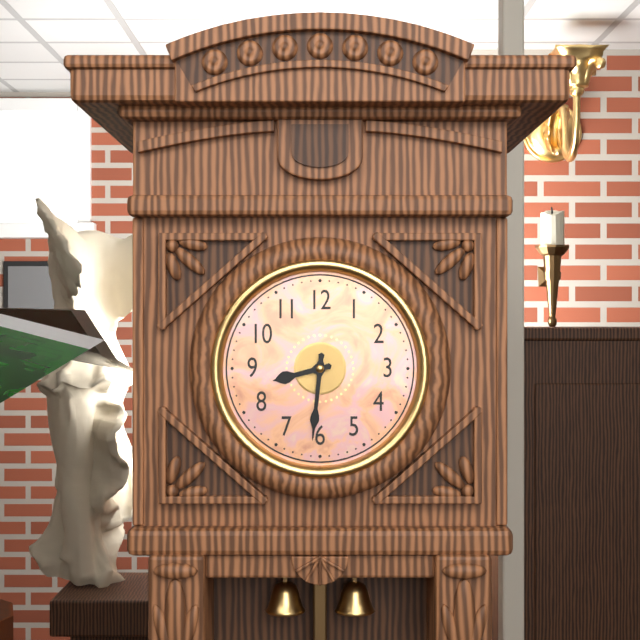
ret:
8:31
